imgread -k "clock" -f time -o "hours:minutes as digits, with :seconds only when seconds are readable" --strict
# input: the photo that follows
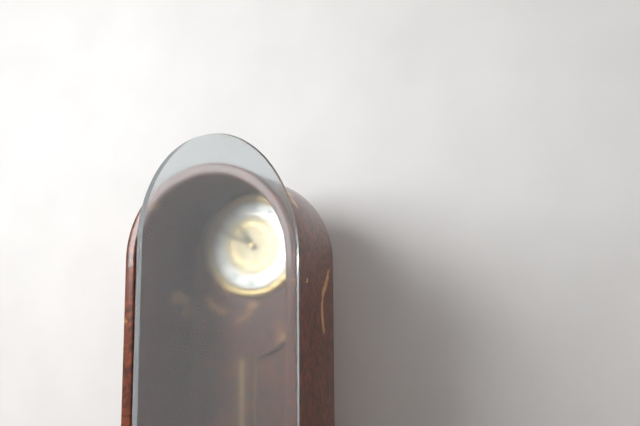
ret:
10:49
